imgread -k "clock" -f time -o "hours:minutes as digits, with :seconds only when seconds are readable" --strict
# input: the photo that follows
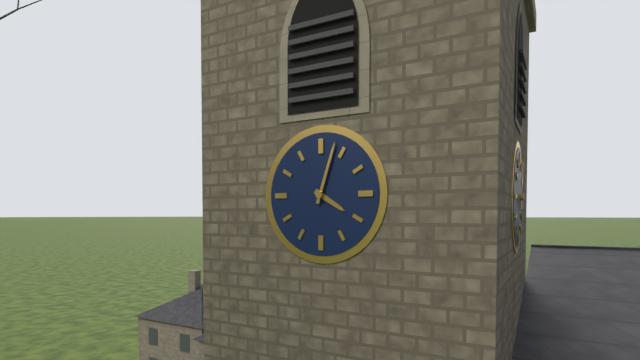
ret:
4:03
